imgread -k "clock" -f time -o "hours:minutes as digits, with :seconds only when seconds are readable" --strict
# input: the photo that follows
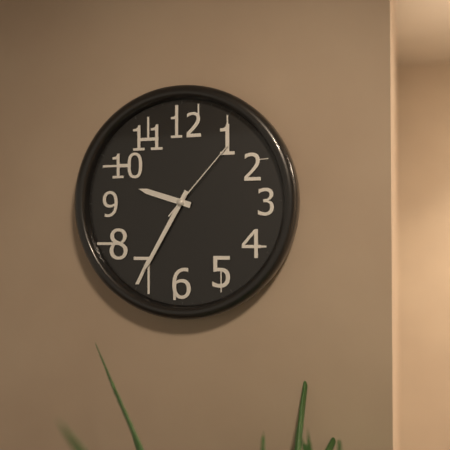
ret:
9:35:07
